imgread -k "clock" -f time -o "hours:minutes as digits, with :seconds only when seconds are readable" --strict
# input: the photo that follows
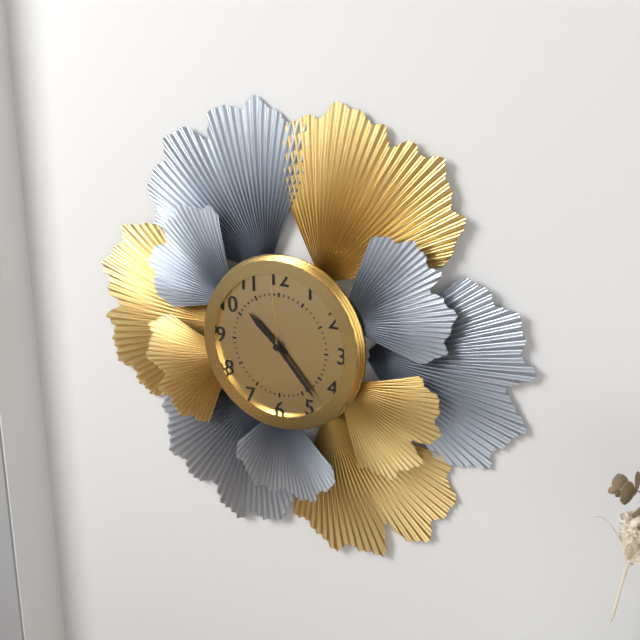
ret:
10:23:59
